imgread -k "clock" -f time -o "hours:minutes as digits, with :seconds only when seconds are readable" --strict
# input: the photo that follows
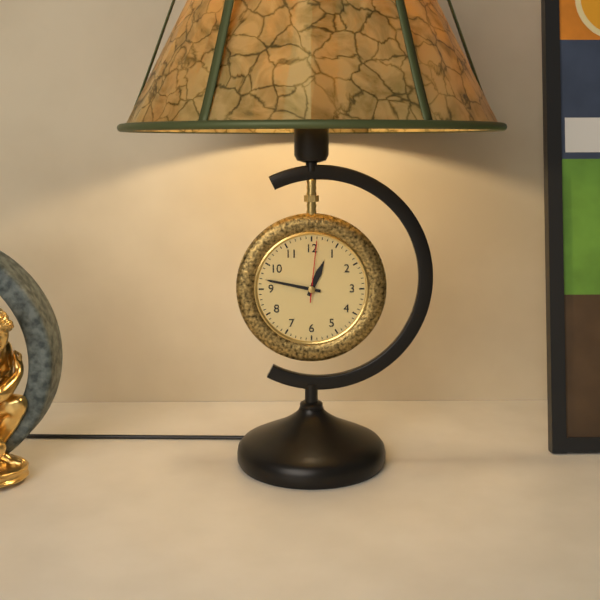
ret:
12:47:01
